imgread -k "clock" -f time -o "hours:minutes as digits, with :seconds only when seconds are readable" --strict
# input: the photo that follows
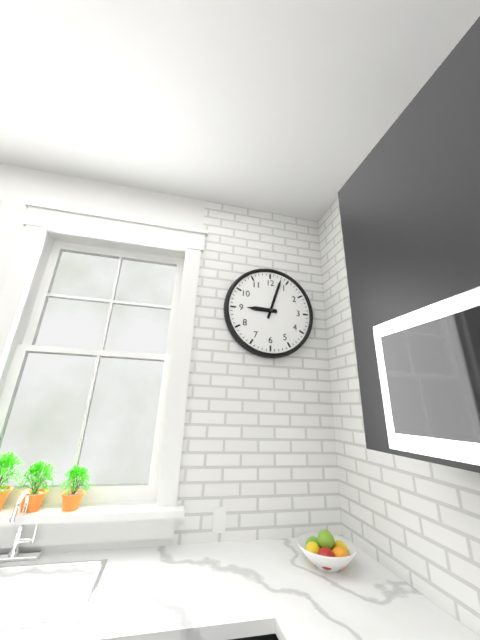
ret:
9:03
